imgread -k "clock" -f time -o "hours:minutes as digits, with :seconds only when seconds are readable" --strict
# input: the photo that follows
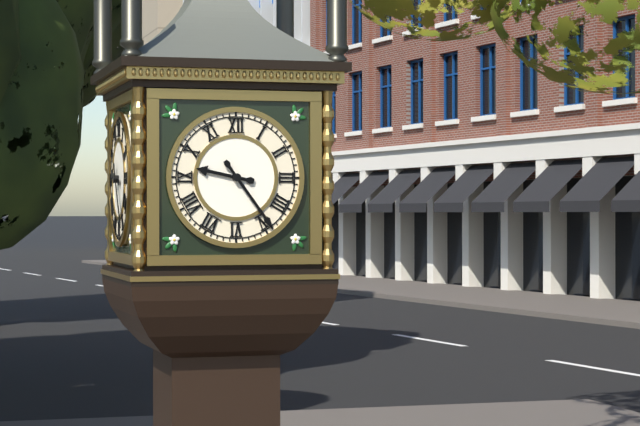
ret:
9:24
